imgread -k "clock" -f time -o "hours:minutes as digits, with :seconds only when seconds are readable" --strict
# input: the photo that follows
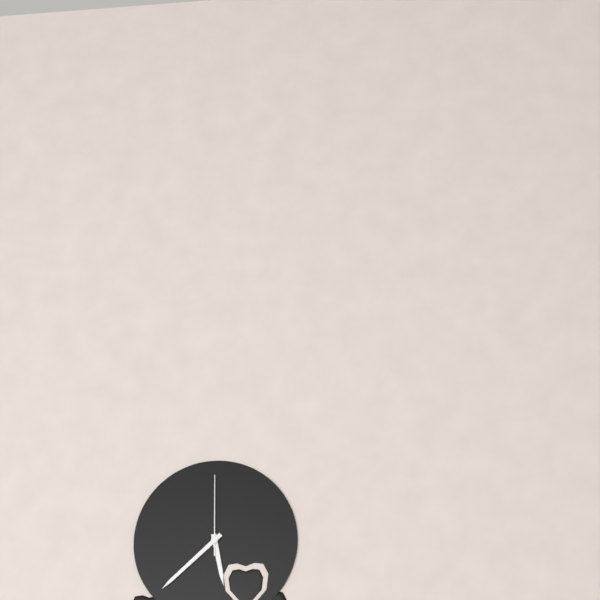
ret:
5:38:00
